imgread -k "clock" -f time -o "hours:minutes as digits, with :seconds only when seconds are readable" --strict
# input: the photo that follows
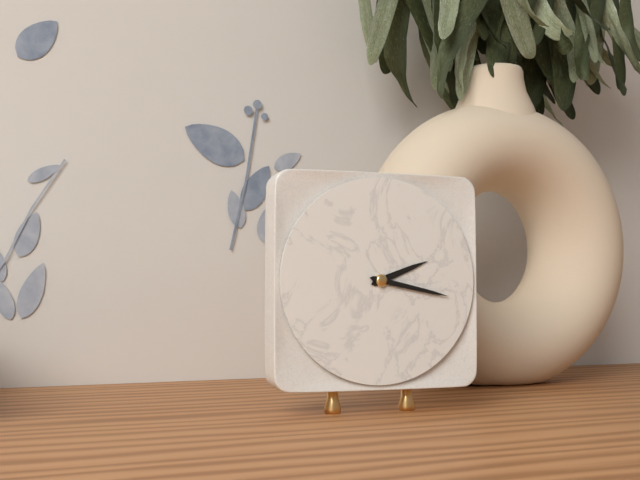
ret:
2:17
